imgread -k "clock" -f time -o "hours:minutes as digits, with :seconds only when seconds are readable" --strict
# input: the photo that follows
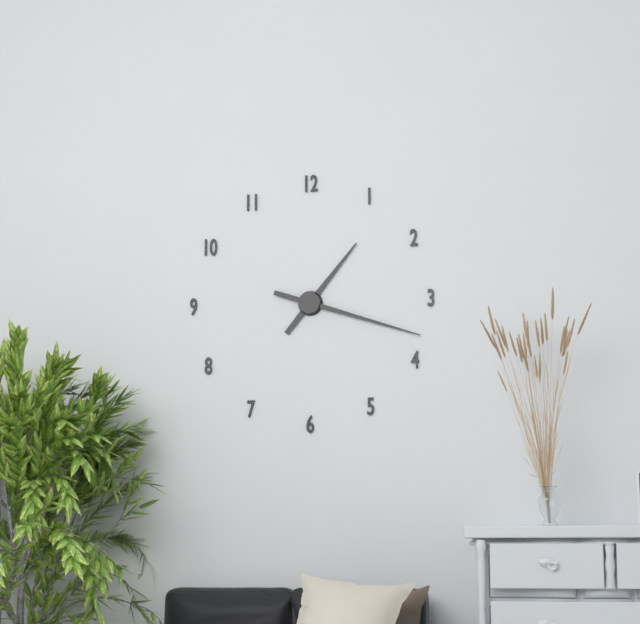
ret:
1:18
